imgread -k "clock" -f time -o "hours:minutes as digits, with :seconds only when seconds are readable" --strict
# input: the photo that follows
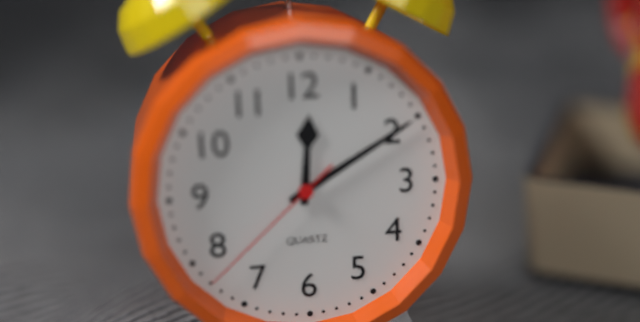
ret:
12:10:38
